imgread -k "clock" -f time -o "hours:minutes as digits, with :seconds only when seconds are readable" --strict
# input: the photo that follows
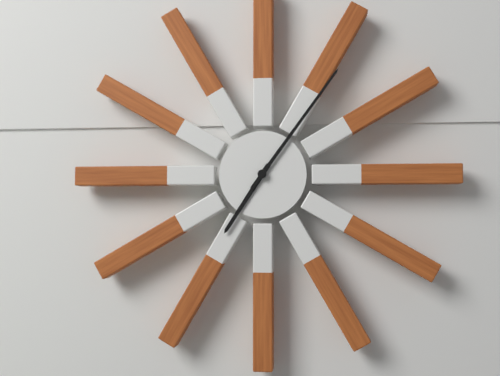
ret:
7:06
